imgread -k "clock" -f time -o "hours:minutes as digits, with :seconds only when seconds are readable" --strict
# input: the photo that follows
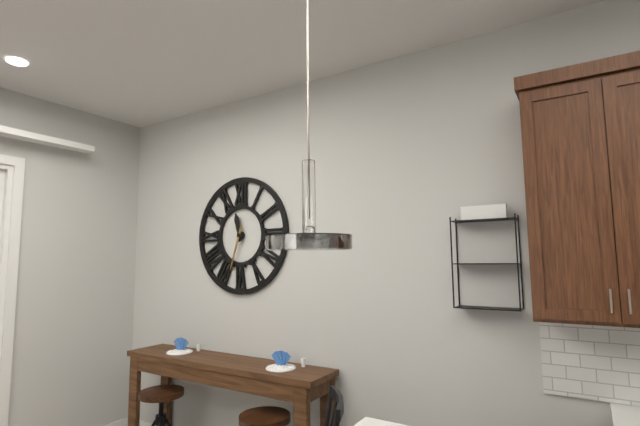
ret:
11:33
